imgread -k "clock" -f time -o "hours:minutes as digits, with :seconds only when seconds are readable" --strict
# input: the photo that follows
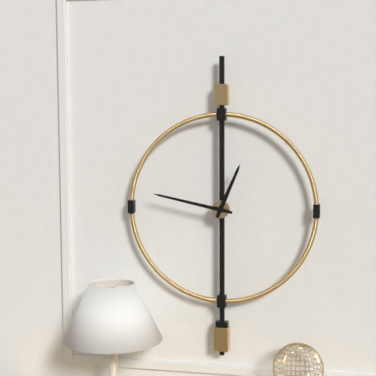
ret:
12:47
